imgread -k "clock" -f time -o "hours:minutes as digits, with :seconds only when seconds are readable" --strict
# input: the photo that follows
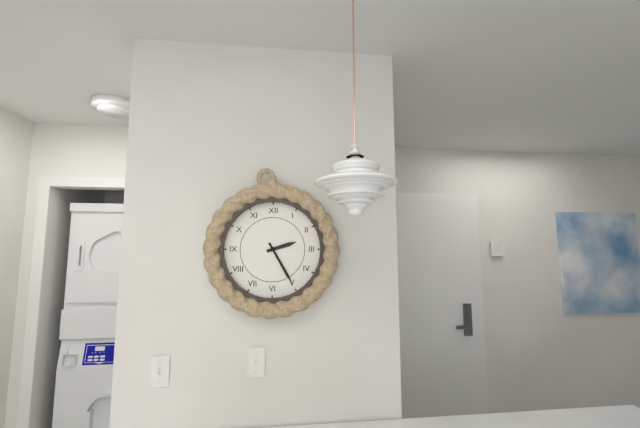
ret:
2:25
